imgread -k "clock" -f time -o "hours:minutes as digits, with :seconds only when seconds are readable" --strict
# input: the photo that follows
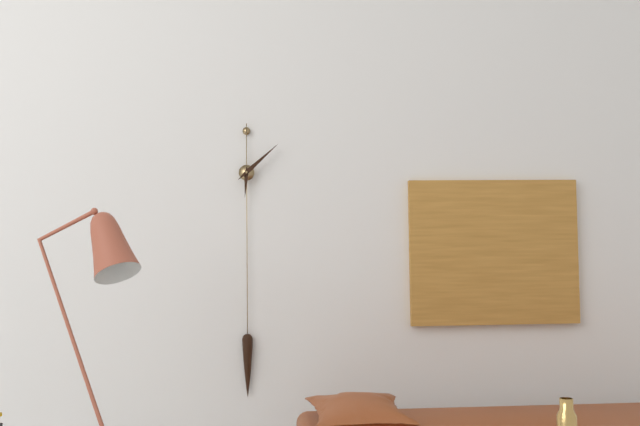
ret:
6:08
